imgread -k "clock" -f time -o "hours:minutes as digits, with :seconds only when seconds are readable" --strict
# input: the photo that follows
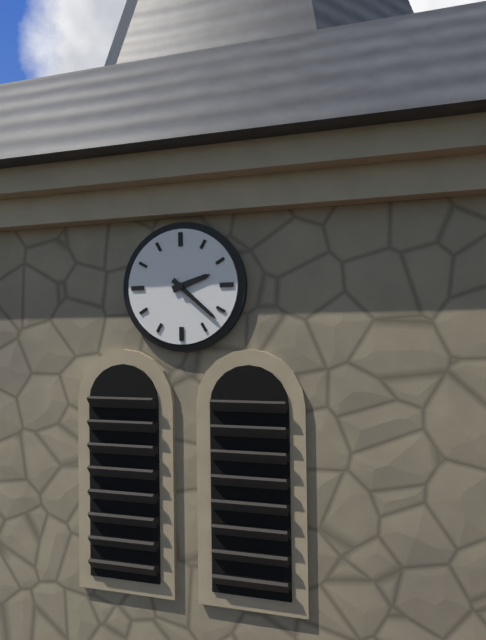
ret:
2:22
